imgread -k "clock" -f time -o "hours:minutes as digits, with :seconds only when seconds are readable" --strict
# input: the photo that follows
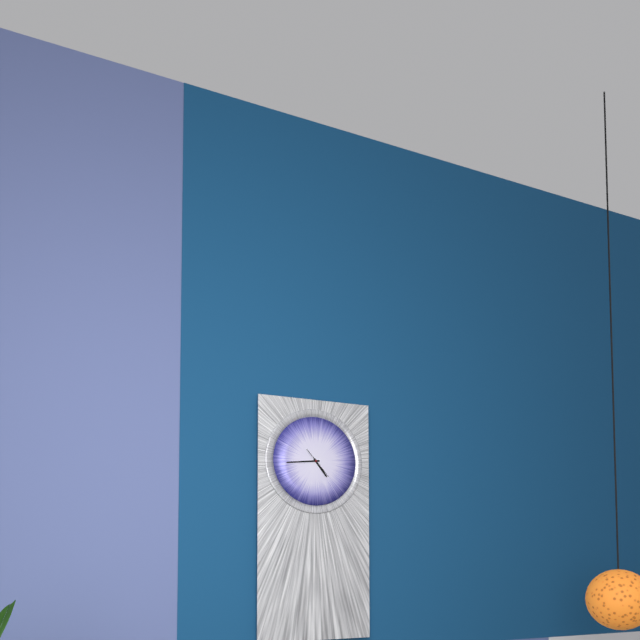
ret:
4:44
